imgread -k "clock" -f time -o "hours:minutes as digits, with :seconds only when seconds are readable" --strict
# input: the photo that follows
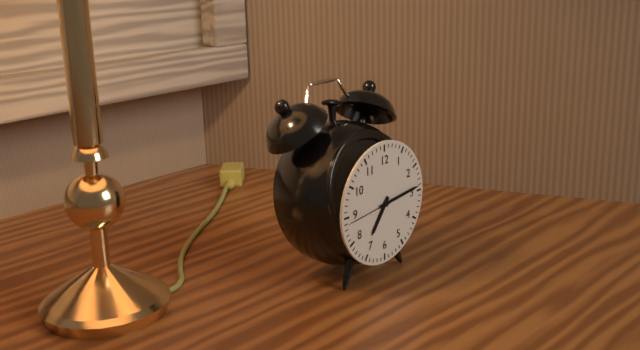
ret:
7:14:44
